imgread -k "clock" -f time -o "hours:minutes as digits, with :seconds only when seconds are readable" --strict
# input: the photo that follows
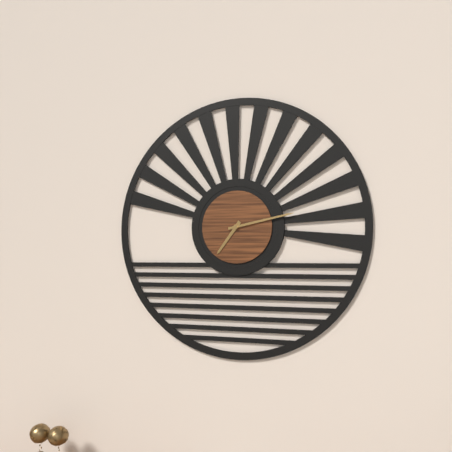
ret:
7:13
